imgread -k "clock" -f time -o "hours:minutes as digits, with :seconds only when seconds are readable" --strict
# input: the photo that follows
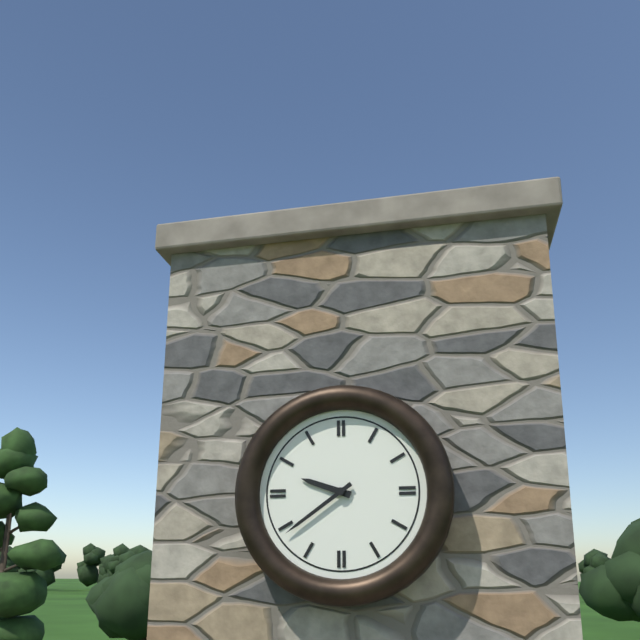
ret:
9:39
